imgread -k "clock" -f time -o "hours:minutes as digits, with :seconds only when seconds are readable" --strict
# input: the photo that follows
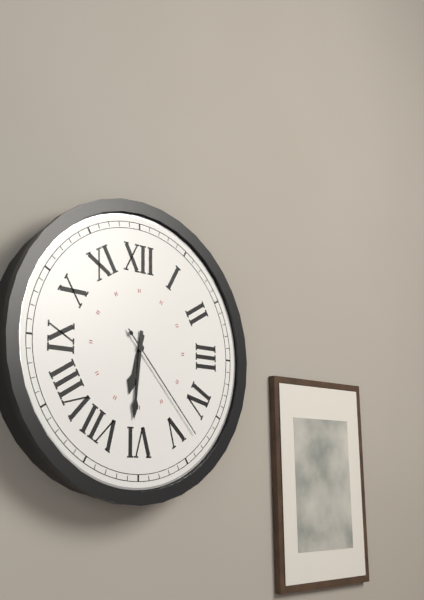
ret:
6:31:23
